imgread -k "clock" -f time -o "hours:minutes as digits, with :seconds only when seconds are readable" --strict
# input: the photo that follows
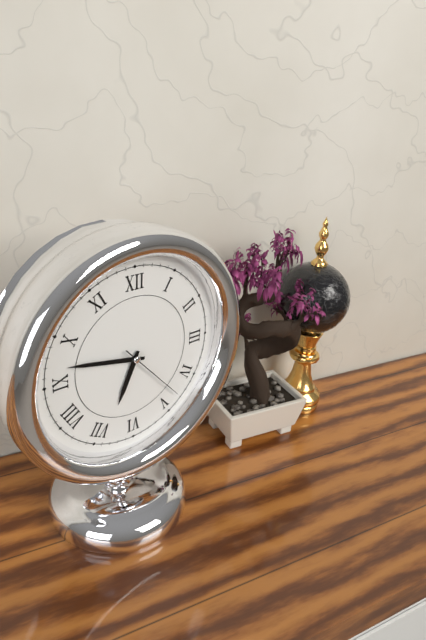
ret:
6:47:23
